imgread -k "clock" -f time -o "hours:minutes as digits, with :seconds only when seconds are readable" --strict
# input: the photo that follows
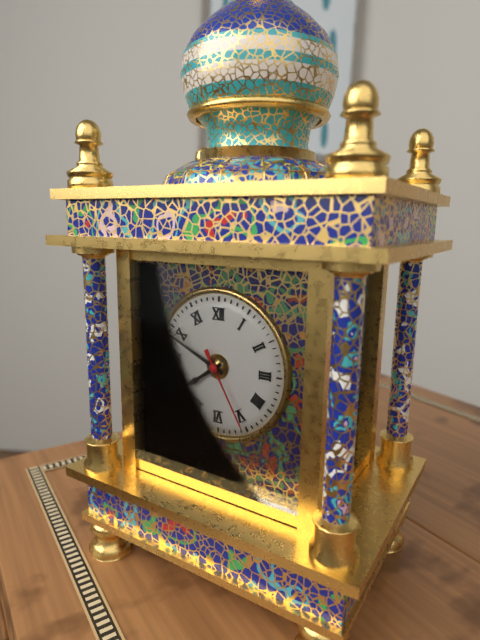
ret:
7:49:25
